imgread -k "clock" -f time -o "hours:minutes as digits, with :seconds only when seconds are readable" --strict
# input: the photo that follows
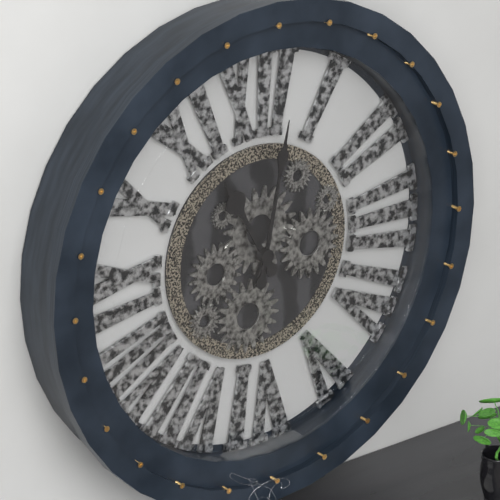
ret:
11:02
